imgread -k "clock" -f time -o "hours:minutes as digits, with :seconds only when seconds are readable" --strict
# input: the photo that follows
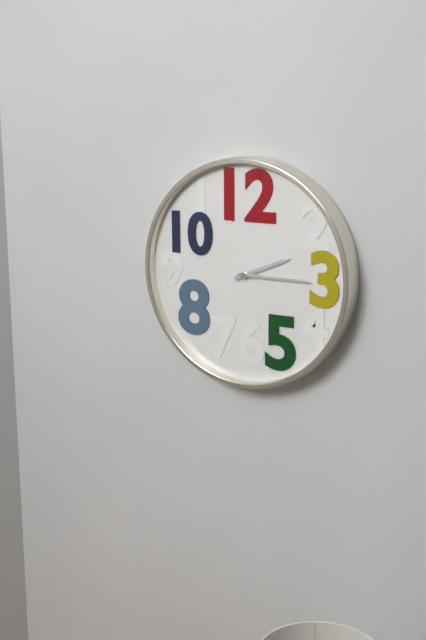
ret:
2:15
